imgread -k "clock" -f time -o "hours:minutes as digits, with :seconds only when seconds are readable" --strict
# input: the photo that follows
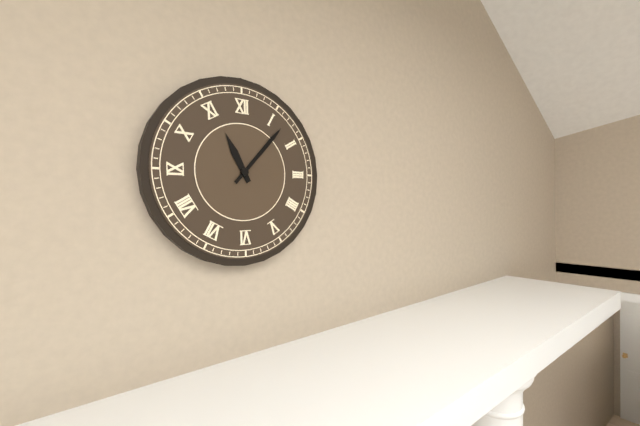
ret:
11:07
